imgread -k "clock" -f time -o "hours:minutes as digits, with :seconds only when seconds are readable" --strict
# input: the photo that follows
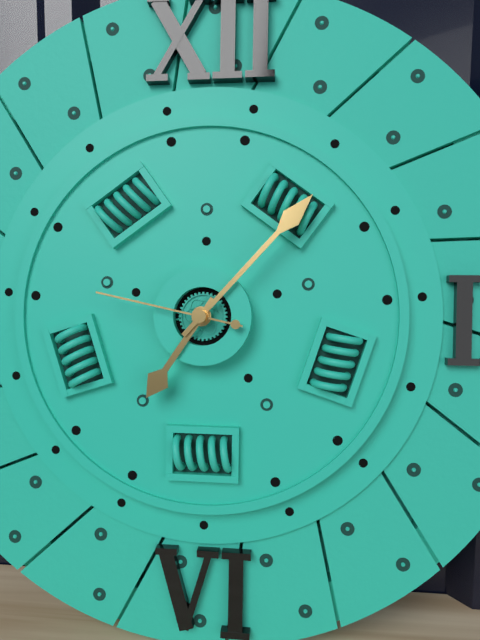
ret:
7:07:47
